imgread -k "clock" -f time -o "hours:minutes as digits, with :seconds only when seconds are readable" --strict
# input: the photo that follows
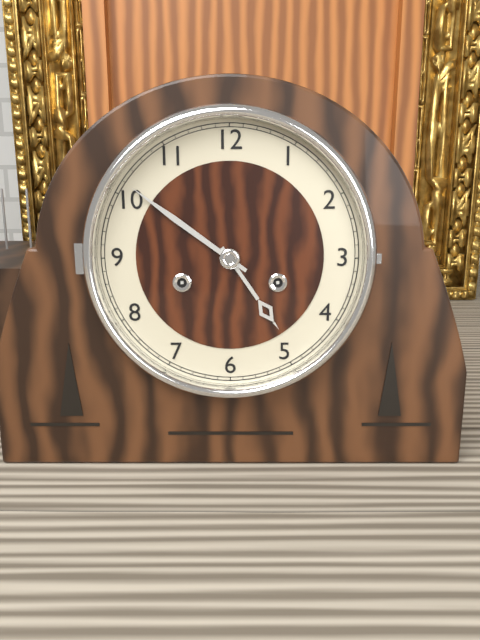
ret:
4:51
